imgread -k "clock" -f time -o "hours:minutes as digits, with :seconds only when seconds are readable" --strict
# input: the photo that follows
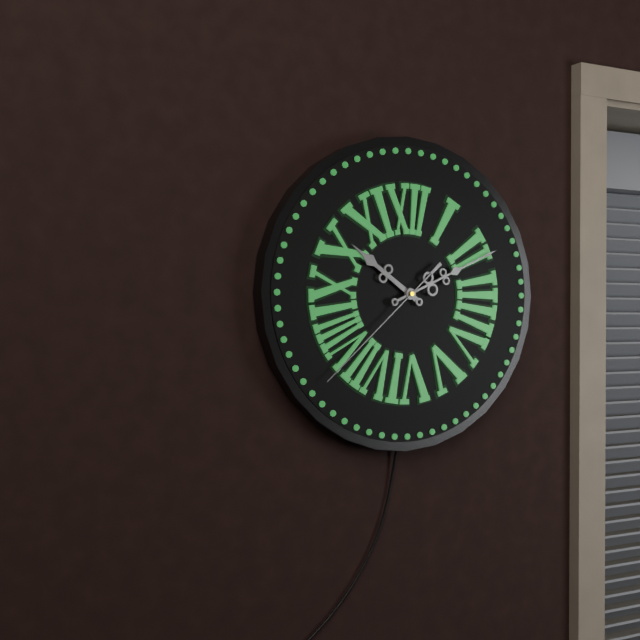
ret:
10:11:38
